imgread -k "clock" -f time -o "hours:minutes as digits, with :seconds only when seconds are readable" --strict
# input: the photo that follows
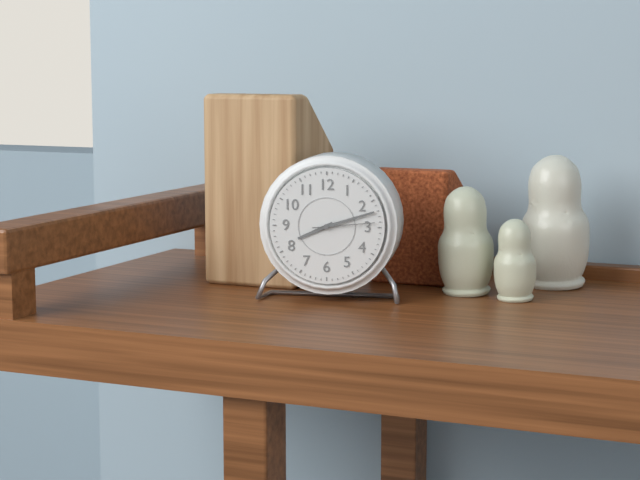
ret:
8:12:14
